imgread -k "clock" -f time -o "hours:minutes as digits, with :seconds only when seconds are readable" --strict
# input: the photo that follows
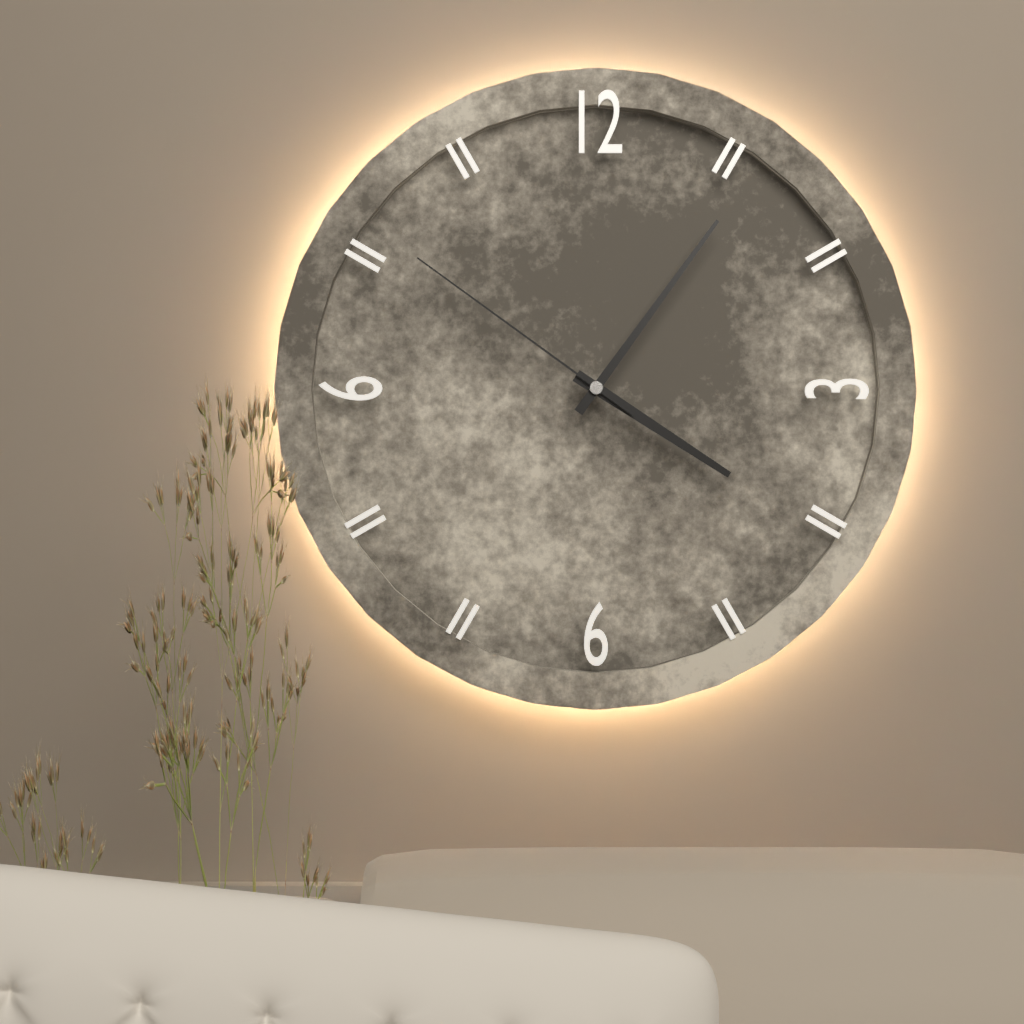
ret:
4:06:51
